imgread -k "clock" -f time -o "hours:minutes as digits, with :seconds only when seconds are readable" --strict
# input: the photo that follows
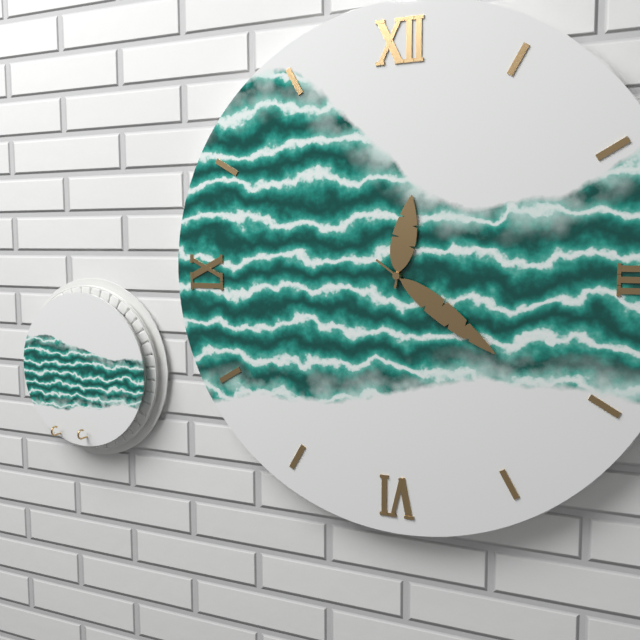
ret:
12:21
